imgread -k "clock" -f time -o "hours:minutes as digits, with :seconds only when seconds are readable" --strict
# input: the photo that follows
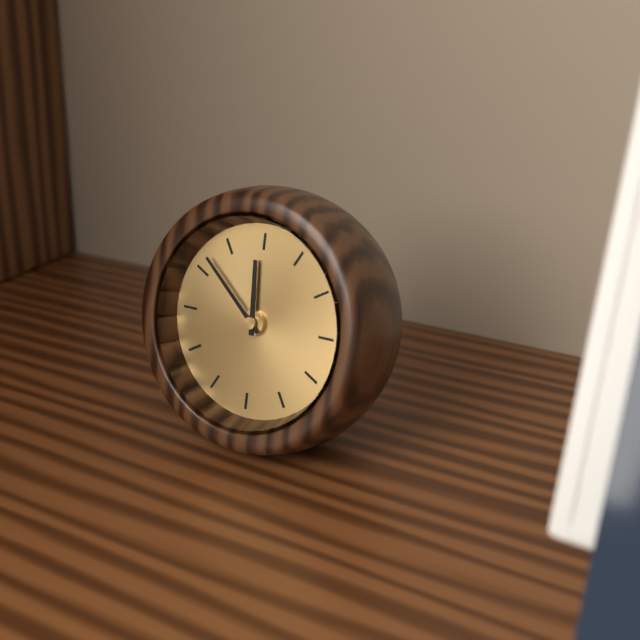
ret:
11:52
